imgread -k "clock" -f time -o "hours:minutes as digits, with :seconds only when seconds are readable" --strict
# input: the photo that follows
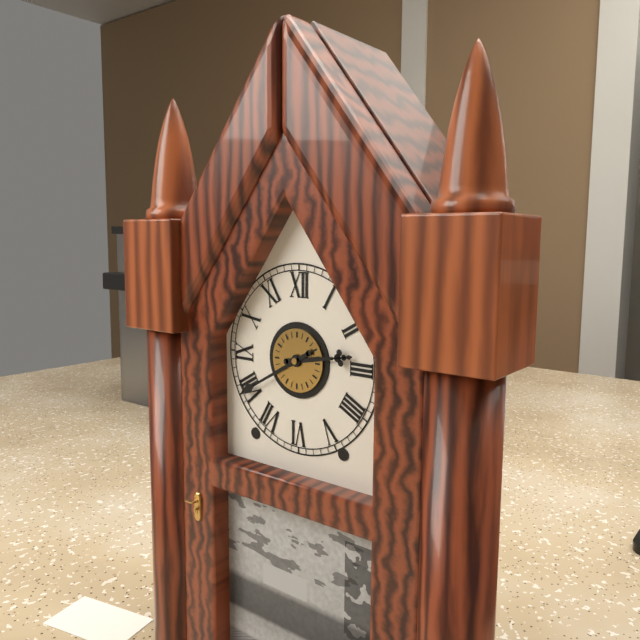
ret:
2:40
